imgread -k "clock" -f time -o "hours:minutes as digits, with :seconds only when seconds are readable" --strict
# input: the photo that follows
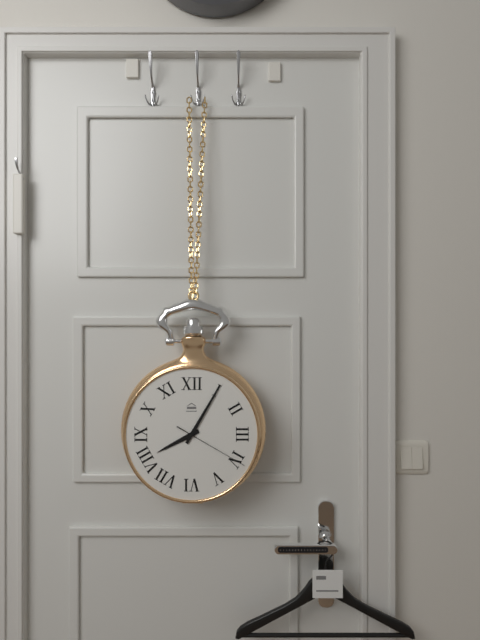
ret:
8:05:20
